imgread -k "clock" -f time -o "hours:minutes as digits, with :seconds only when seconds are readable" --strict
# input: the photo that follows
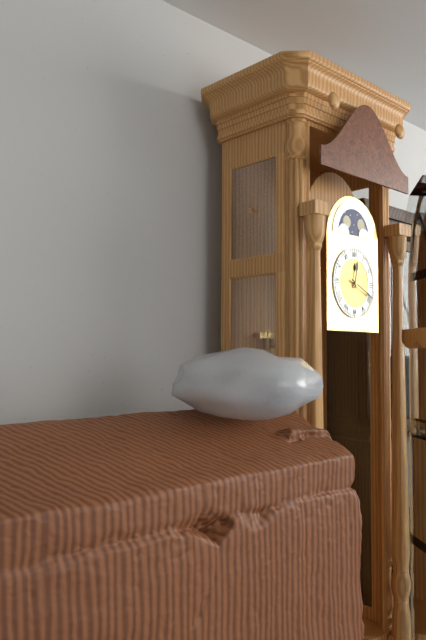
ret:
12:19
